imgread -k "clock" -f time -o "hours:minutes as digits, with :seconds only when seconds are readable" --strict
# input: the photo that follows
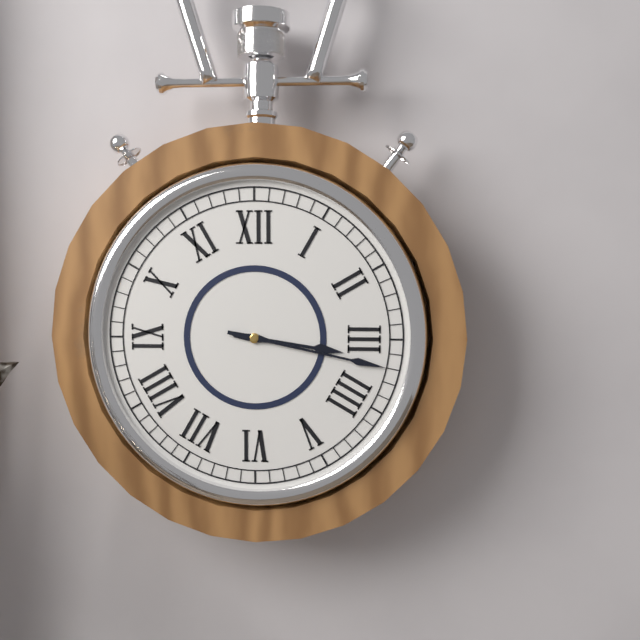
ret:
3:17
